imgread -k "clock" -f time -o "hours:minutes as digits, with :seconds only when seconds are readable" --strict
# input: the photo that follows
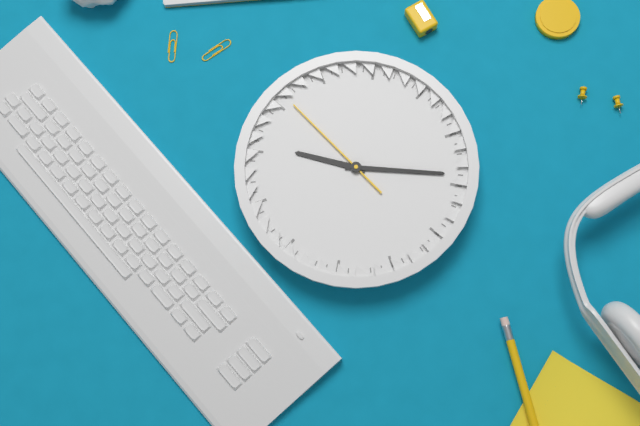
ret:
8:09:46
